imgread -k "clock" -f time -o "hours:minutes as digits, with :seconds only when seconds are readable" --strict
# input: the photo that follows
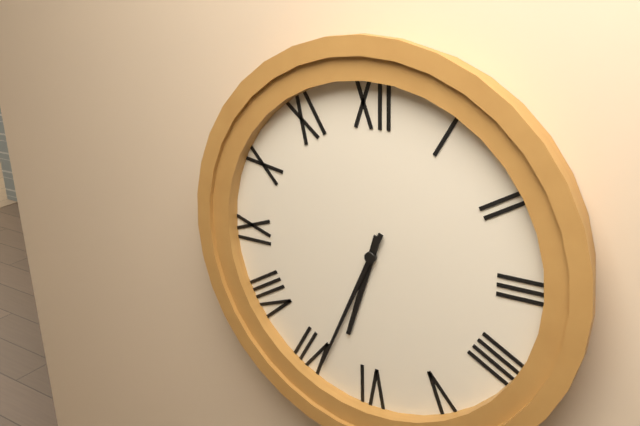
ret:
6:34
